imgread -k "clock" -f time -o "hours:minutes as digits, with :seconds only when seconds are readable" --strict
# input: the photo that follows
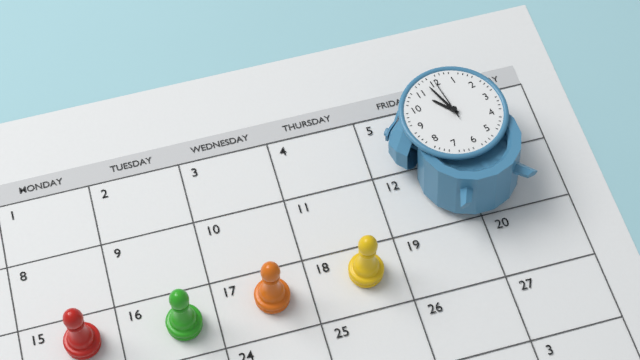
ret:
10:58
